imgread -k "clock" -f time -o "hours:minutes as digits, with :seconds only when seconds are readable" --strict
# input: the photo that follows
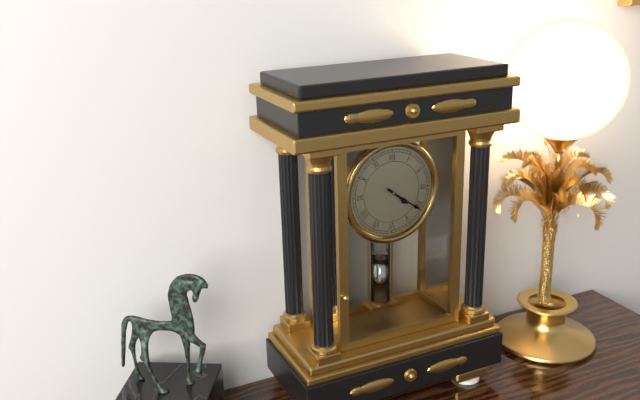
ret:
4:21
